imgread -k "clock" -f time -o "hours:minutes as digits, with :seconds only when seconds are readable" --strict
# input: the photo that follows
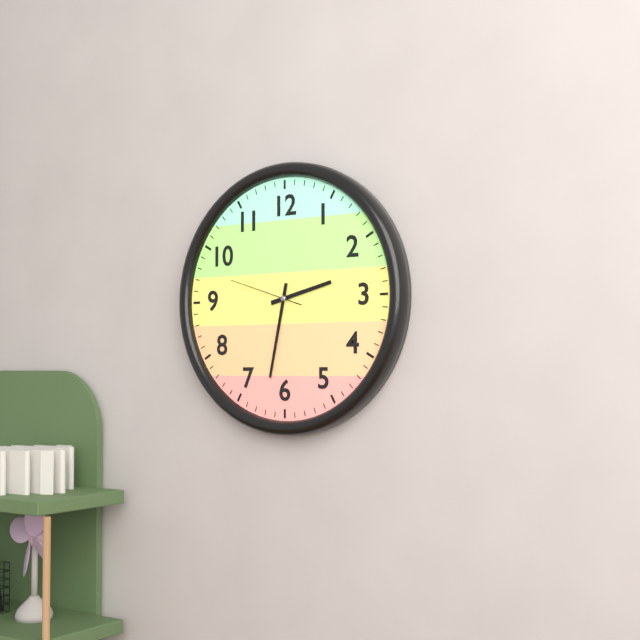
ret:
2:32:48
